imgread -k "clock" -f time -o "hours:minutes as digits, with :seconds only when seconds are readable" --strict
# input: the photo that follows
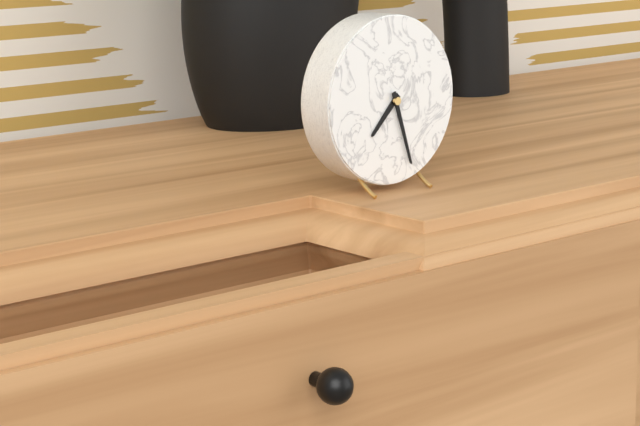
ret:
7:27
